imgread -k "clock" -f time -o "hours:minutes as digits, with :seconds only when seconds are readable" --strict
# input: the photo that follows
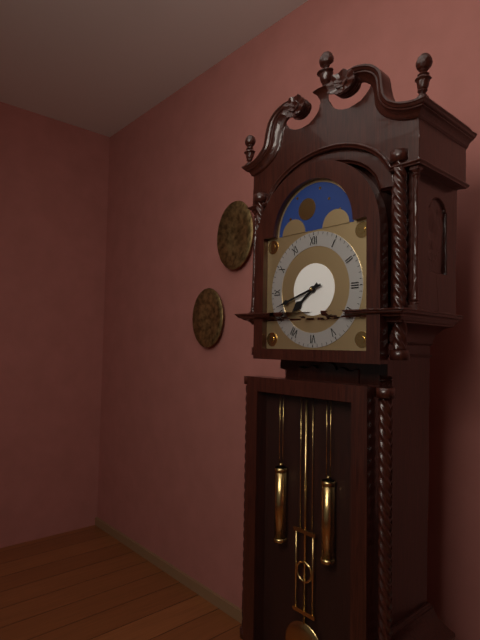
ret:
7:42
